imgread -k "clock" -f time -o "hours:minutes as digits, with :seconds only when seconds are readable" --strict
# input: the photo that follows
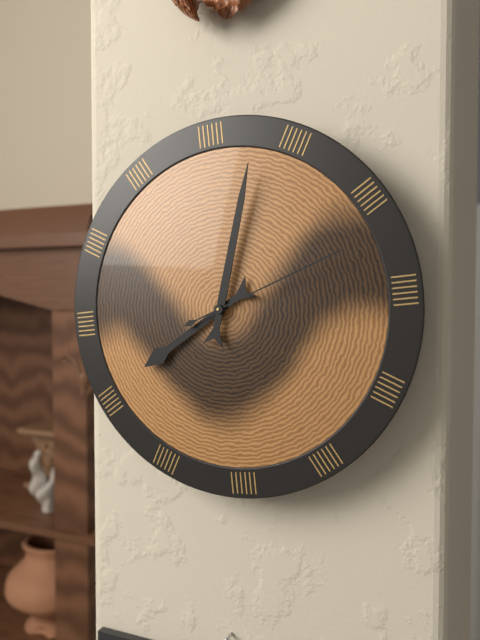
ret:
8:03:12
